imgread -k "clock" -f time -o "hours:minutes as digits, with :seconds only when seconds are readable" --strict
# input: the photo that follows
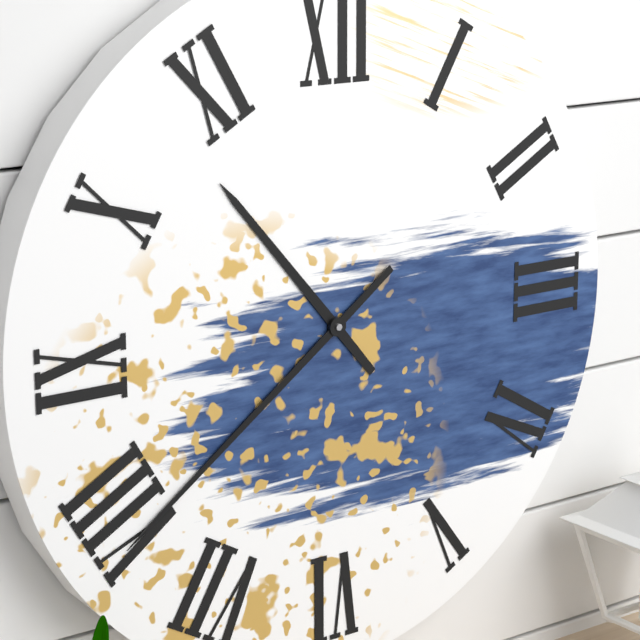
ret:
10:39
